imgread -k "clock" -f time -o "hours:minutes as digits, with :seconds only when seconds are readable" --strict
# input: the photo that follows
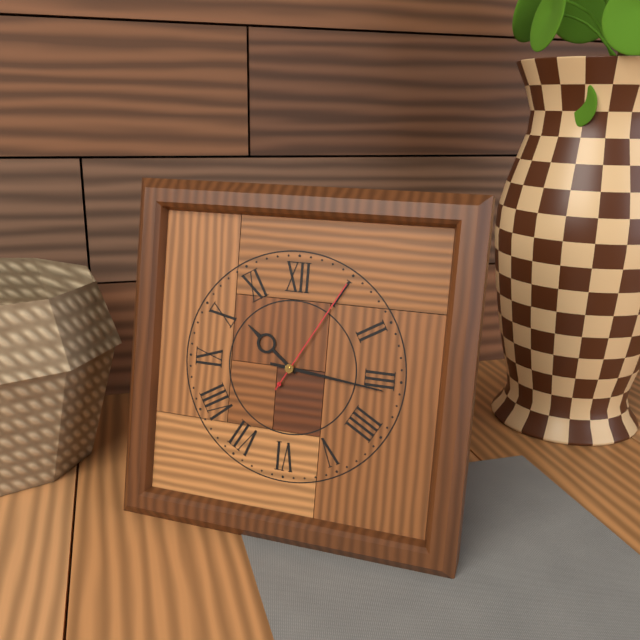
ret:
10:16:05
